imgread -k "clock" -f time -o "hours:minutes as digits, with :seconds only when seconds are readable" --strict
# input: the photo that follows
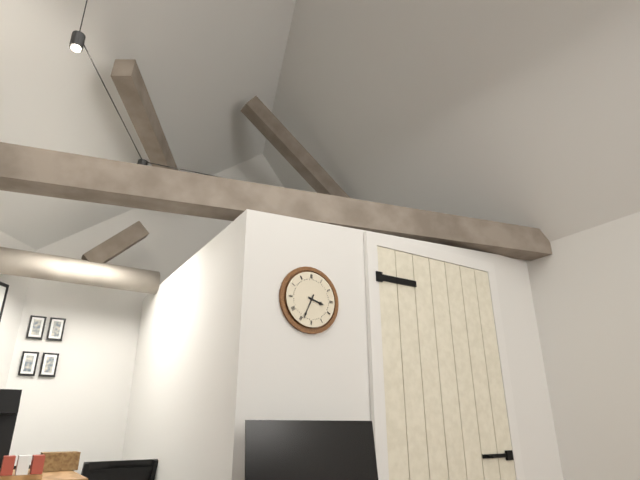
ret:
3:34
